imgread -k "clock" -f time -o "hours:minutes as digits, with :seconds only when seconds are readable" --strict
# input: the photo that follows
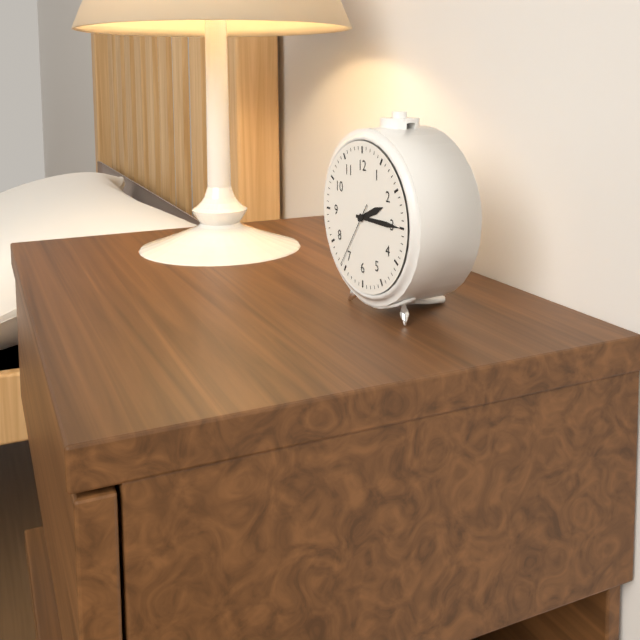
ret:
2:15:36
